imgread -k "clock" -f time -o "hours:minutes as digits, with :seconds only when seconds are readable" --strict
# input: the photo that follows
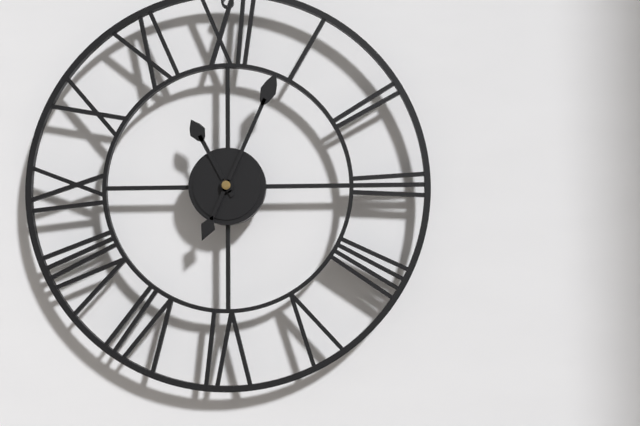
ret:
11:04
